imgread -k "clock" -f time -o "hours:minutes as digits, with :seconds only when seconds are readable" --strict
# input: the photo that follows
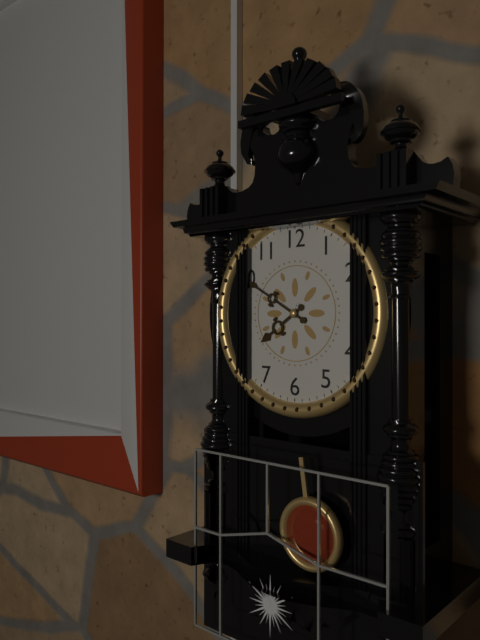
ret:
7:50
